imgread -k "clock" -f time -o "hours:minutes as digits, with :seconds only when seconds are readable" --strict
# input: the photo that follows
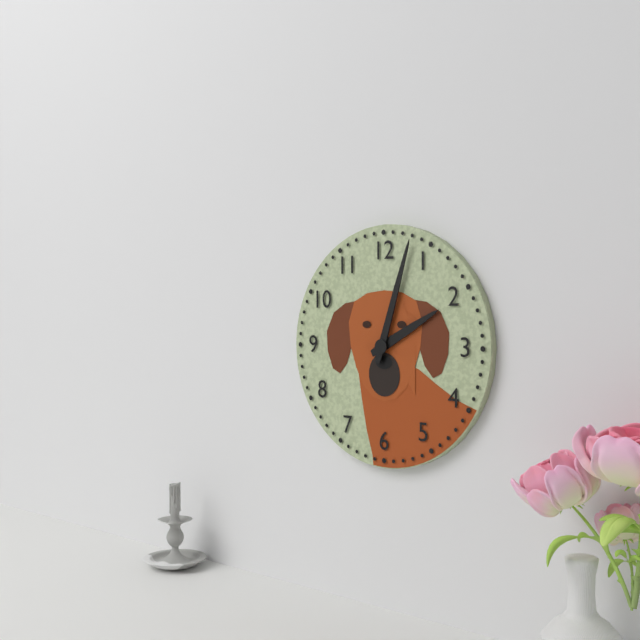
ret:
2:03
